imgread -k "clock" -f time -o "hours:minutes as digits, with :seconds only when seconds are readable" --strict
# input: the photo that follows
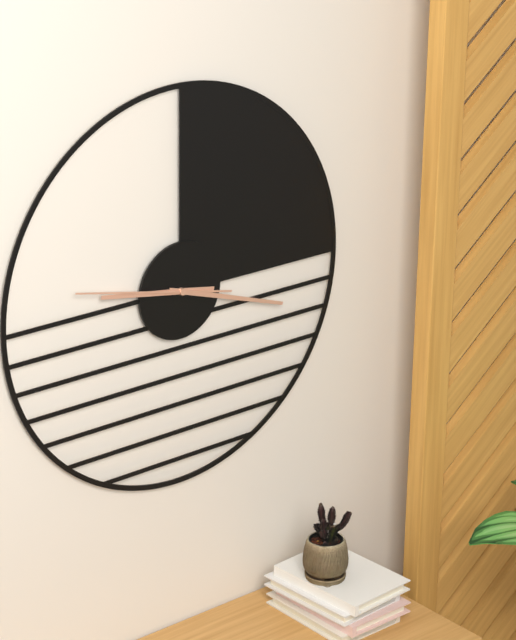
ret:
9:18:47
